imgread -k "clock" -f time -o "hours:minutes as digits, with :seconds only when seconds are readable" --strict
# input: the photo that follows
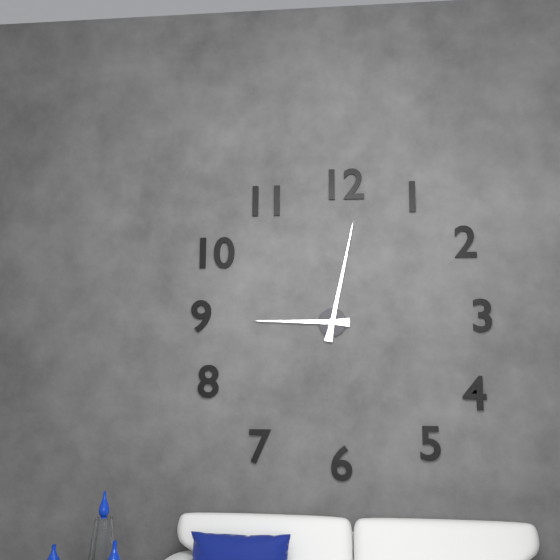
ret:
9:02
